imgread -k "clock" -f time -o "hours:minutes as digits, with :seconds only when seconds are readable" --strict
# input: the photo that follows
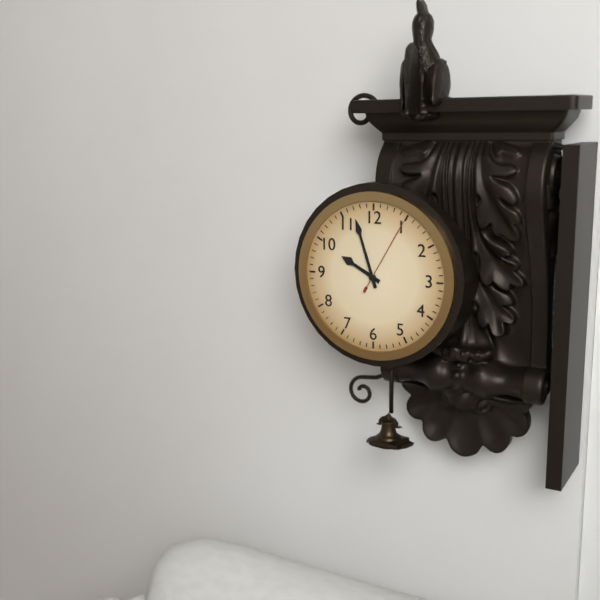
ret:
9:57:05
